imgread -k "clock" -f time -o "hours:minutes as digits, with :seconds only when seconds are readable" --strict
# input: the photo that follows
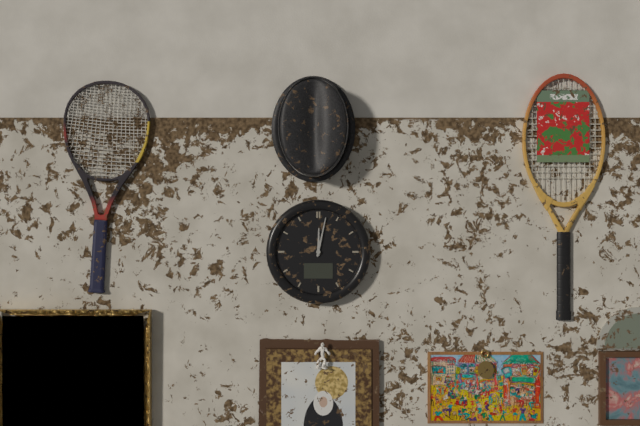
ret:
12:02
